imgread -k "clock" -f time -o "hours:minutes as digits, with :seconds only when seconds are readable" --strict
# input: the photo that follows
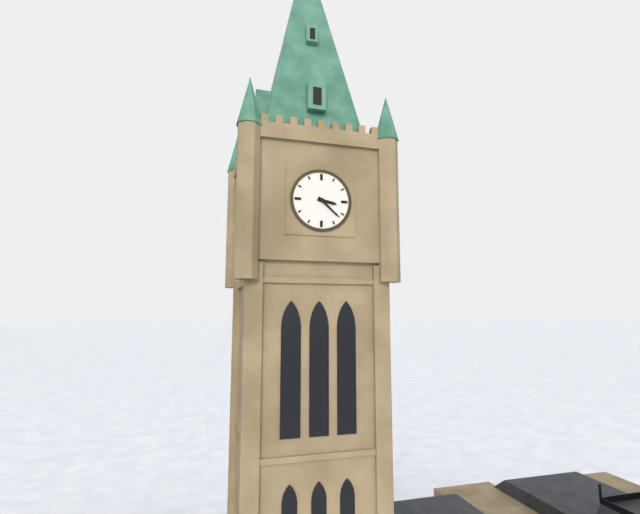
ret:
3:22
